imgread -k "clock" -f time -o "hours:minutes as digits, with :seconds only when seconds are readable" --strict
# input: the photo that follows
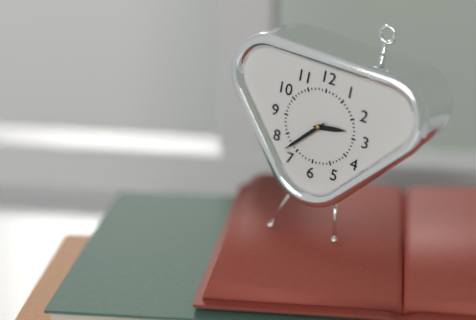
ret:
2:37
